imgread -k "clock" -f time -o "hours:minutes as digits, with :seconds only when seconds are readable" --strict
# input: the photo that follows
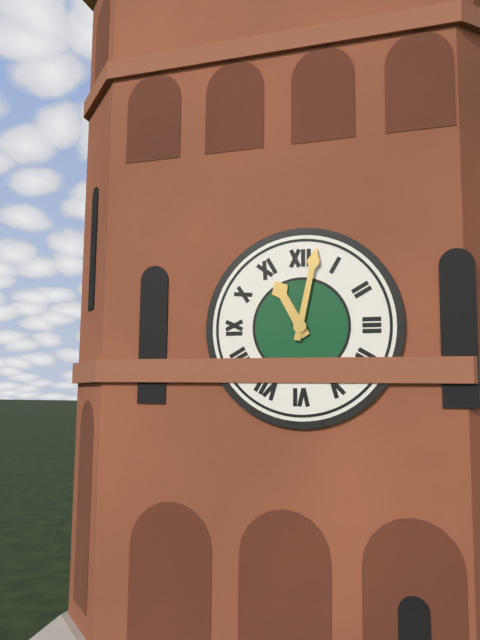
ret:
11:02
